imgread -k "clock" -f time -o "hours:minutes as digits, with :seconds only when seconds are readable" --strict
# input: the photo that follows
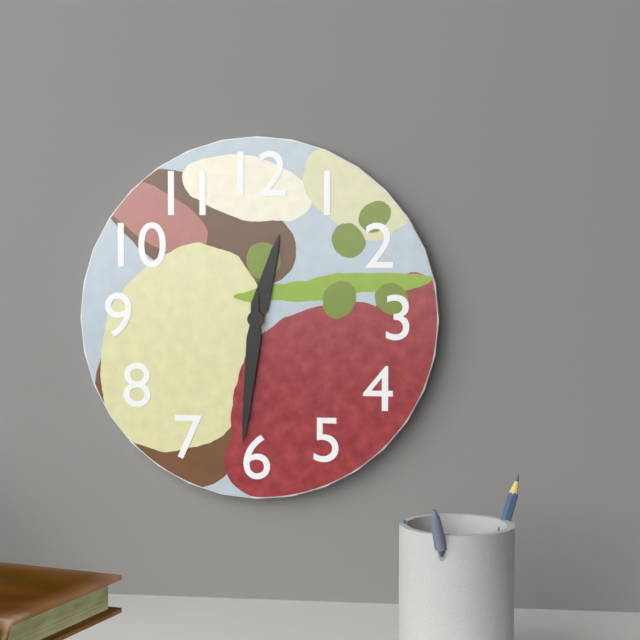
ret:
12:31
